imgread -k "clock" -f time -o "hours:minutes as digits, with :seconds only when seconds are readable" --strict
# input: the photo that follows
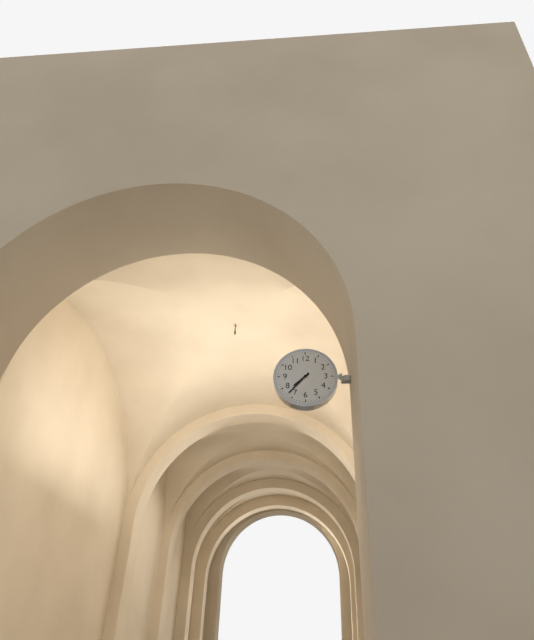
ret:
7:37
